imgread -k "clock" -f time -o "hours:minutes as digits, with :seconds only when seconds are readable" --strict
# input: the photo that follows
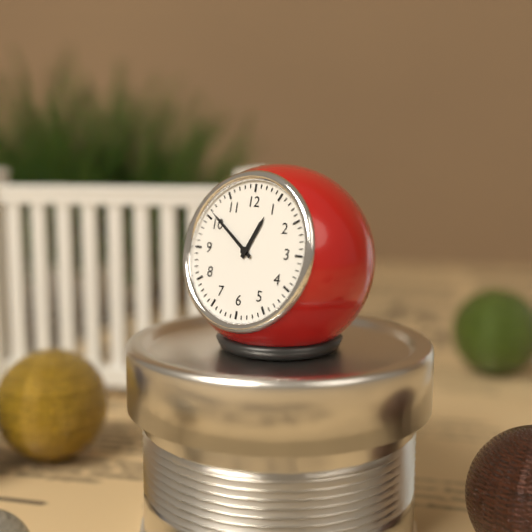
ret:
12:51
